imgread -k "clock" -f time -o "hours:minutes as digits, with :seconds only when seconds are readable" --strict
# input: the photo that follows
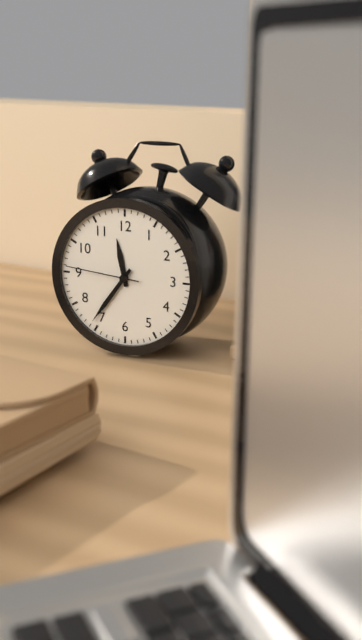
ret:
11:36:46
